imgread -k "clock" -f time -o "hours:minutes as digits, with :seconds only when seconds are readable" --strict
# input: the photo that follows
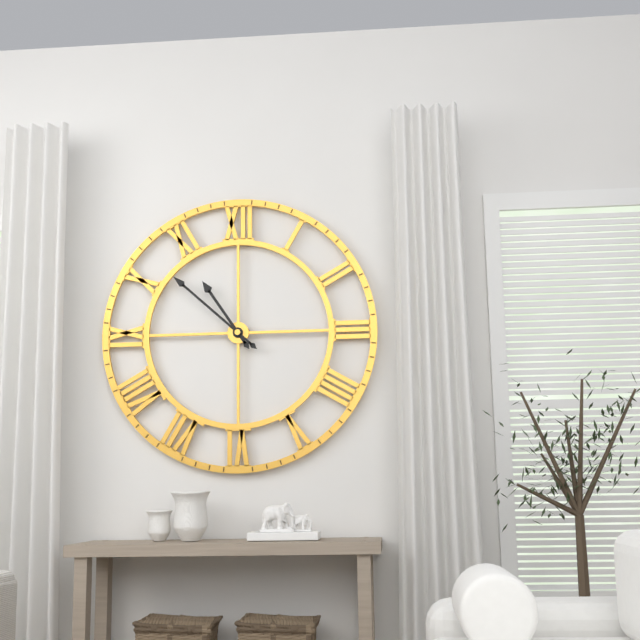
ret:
10:52
